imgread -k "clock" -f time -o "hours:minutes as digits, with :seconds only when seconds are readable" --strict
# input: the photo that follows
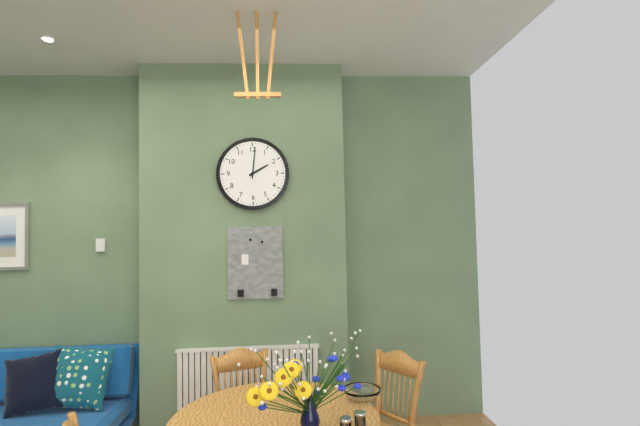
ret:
2:01
